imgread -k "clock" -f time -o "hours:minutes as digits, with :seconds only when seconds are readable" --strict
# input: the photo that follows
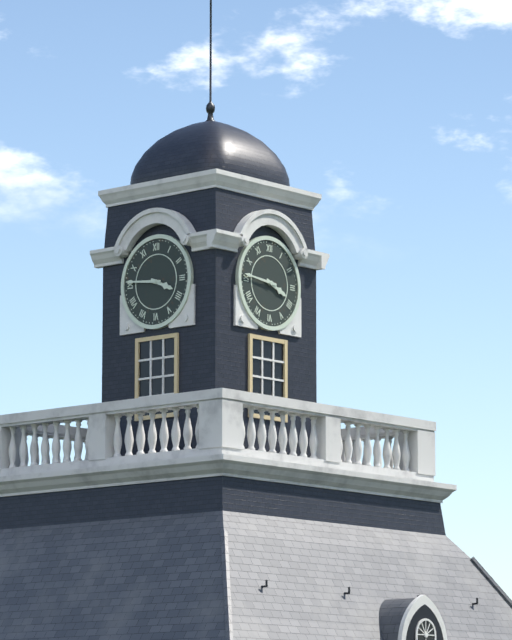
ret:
3:46
